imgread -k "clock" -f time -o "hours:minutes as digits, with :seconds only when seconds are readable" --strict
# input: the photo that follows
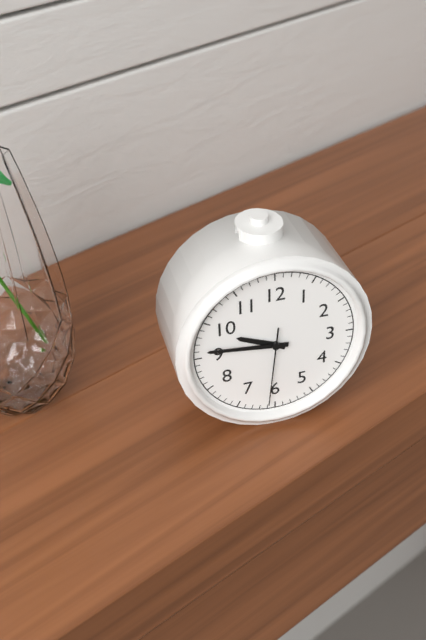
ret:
9:46:31
